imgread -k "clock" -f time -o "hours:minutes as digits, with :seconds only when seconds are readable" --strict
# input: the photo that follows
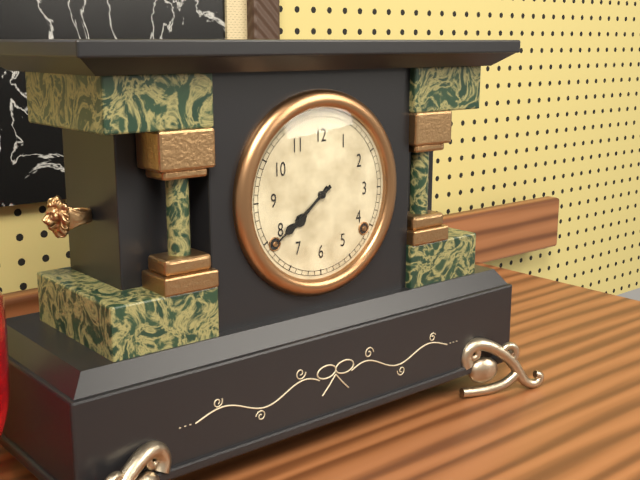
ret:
7:39
